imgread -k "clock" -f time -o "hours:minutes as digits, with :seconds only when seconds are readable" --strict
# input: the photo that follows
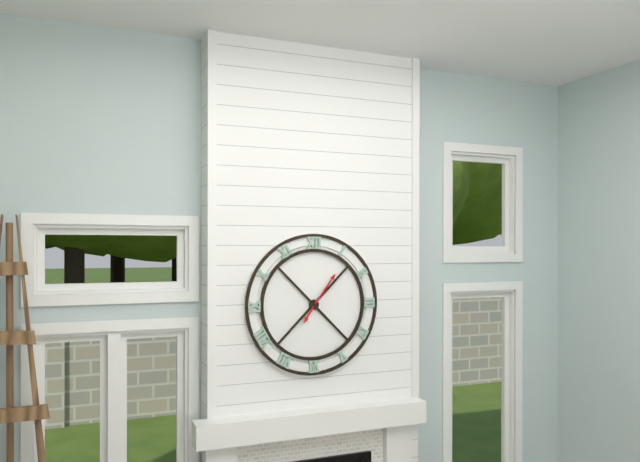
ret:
7:06
